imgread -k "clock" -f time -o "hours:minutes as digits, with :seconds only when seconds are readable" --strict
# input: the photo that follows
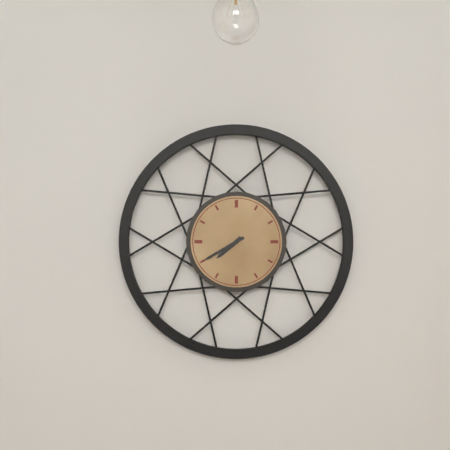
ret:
7:40
